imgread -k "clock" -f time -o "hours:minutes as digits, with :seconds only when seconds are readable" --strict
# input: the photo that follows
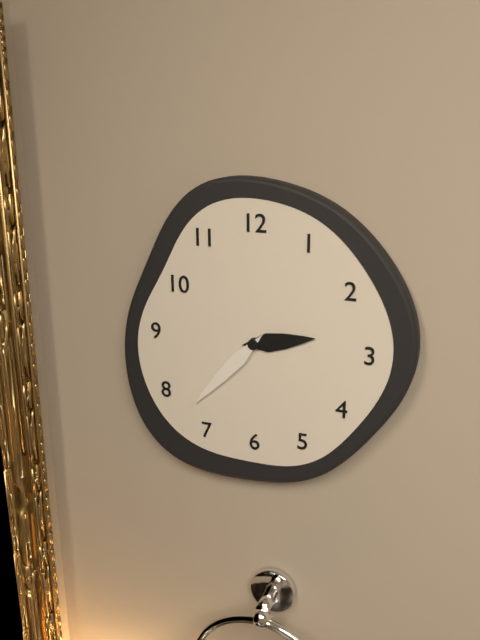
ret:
2:37
